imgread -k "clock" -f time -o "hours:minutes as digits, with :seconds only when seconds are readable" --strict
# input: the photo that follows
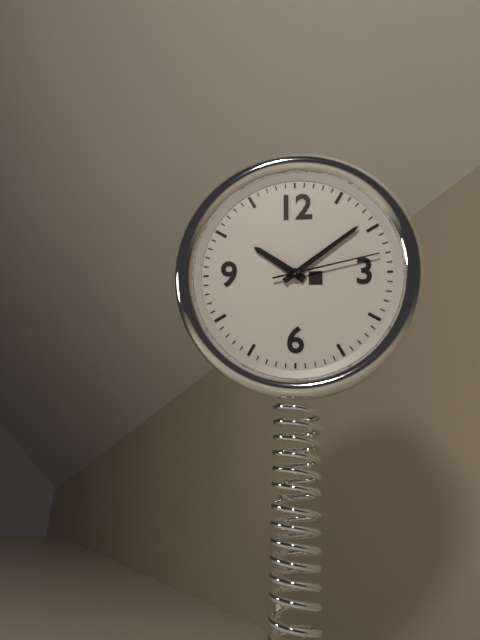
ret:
10:09:13
